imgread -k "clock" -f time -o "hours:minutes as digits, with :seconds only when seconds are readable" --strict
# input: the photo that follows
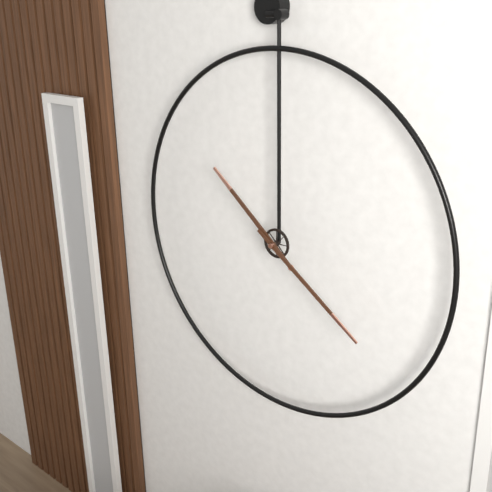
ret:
10:21
